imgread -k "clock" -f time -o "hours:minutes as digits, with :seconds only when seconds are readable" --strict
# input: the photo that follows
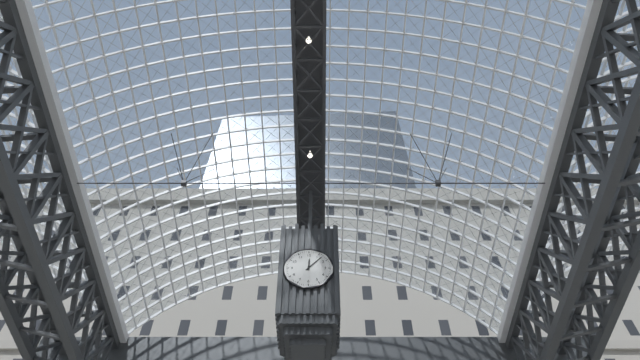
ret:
12:07
